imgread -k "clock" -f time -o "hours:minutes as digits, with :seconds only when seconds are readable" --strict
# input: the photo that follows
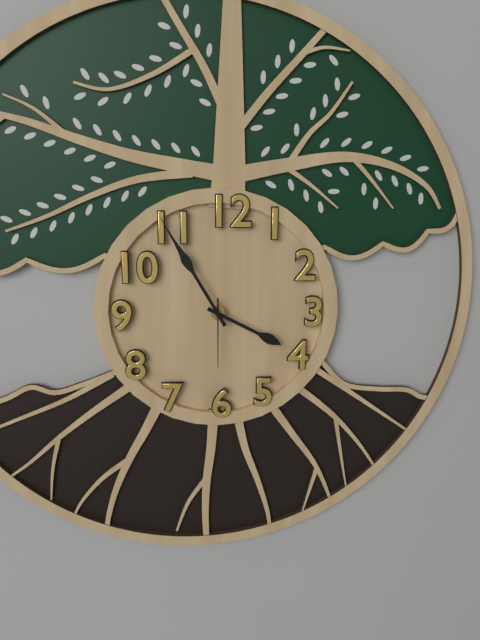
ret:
3:55:30
